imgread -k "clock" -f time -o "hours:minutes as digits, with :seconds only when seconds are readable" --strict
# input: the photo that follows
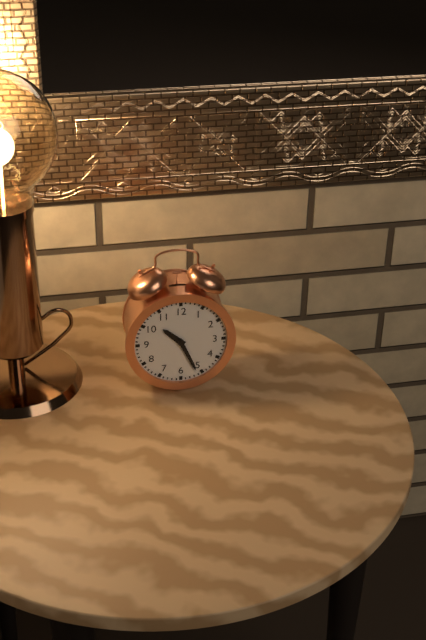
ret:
10:26
